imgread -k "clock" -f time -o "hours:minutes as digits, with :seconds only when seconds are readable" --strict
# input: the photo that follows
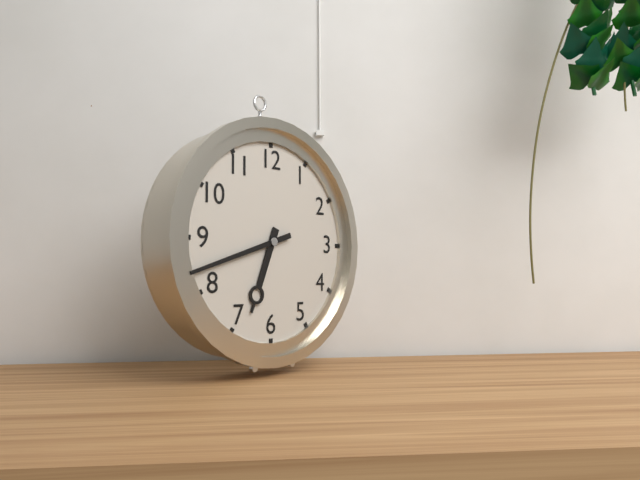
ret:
6:42
